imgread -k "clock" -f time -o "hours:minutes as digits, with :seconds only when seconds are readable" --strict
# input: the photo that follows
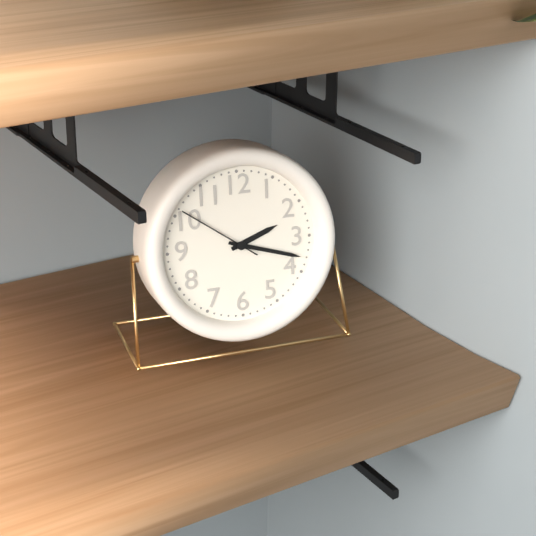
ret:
2:18:51
